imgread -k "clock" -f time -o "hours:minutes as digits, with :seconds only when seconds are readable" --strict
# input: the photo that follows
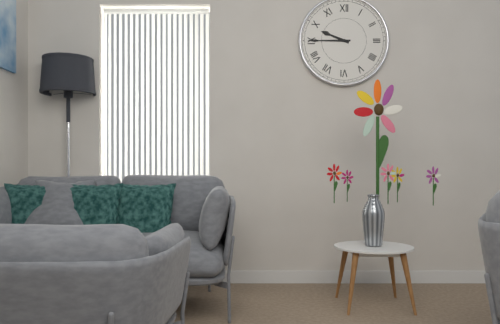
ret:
9:45
